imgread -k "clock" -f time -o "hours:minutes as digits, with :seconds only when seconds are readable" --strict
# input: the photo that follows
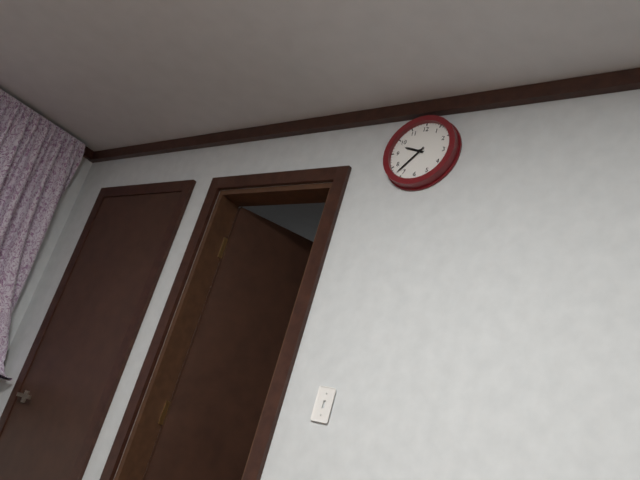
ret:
9:37
